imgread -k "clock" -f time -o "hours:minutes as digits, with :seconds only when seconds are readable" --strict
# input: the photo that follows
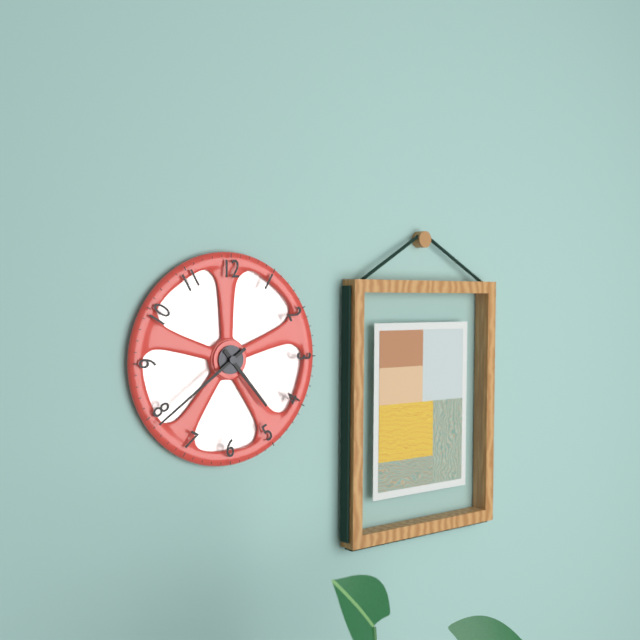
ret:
4:39
